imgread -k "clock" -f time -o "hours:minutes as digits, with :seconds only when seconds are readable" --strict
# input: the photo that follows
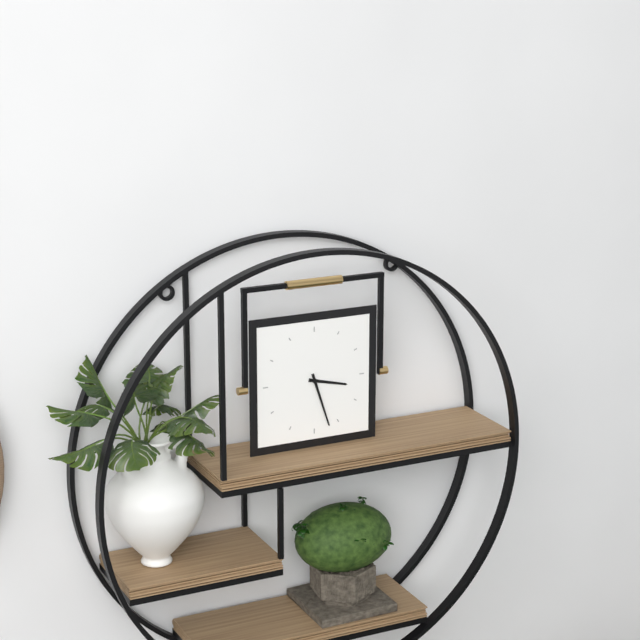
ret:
3:27
